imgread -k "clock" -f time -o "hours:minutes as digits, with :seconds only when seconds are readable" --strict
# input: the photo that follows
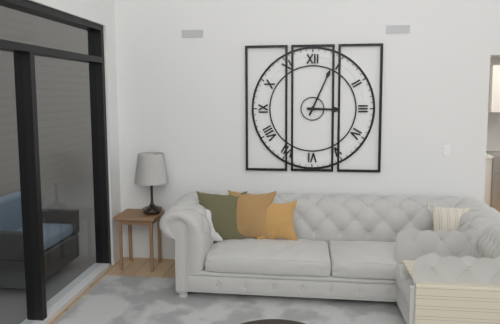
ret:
3:04
